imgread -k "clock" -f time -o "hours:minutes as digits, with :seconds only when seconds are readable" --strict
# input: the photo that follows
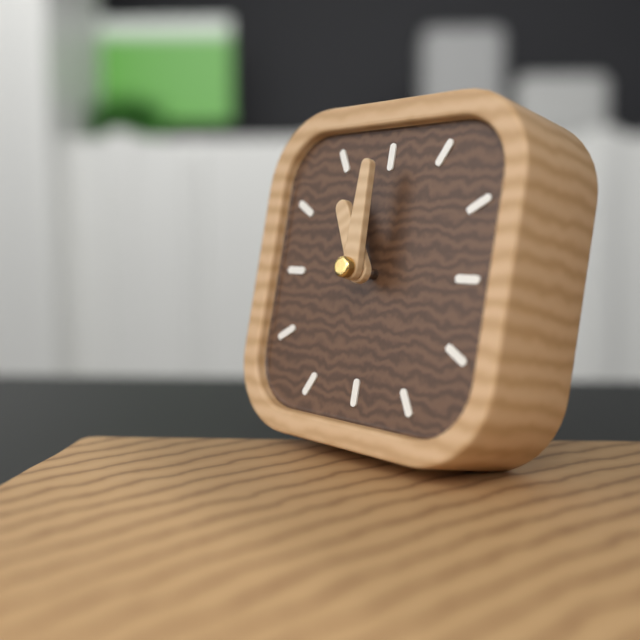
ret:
11:00
